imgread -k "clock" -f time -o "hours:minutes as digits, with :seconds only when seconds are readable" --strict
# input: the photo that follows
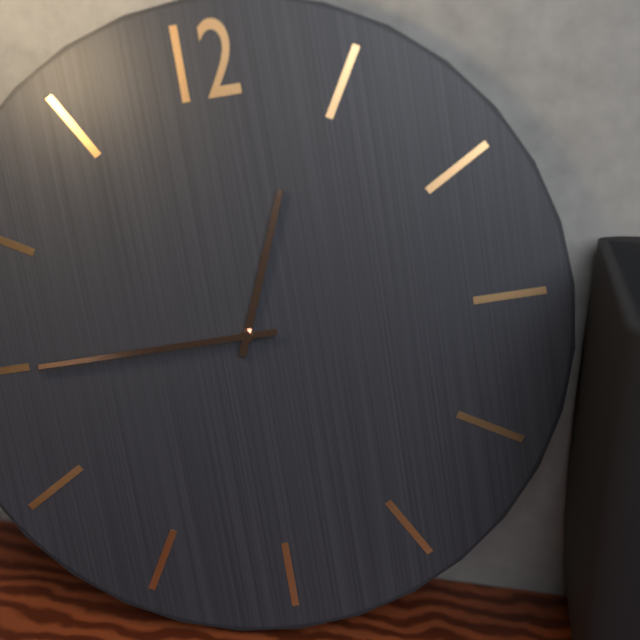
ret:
12:45
